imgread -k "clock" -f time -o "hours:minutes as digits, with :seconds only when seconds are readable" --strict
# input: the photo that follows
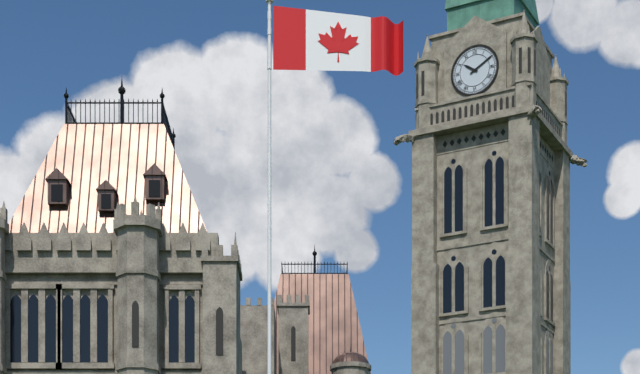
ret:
10:10
